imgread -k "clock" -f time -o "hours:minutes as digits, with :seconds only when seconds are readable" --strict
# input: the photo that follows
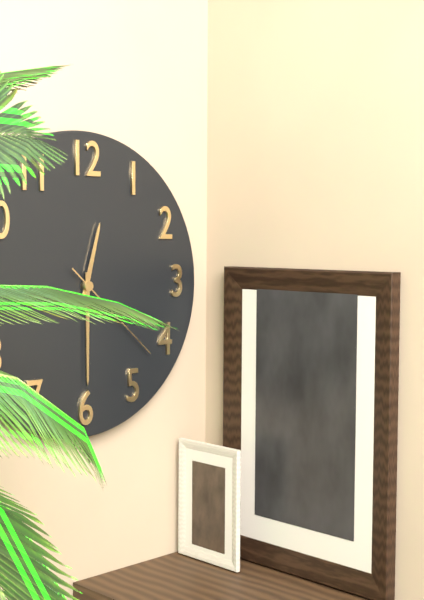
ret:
12:30:22
